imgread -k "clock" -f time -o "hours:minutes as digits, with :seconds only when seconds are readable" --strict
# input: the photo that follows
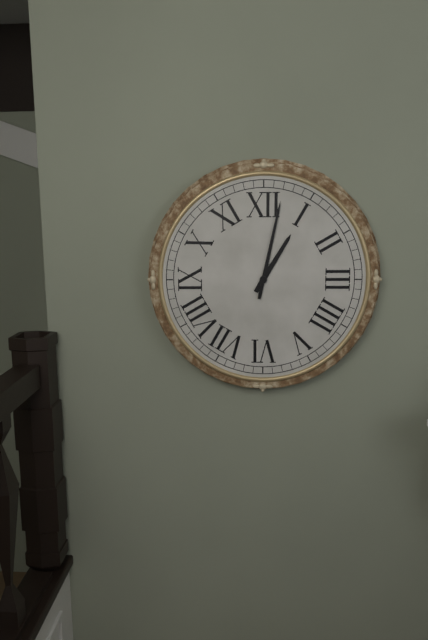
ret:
1:02
